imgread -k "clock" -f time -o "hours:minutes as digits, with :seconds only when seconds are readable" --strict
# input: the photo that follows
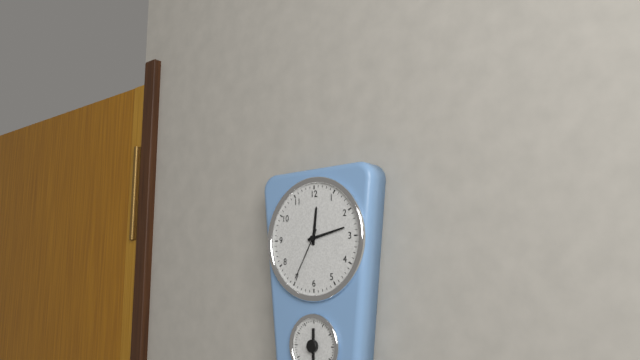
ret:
12:13:35
